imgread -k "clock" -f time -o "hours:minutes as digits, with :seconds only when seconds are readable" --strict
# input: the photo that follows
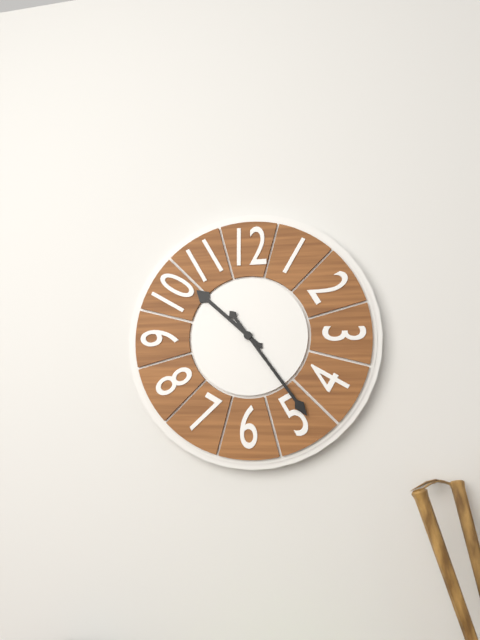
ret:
10:24
